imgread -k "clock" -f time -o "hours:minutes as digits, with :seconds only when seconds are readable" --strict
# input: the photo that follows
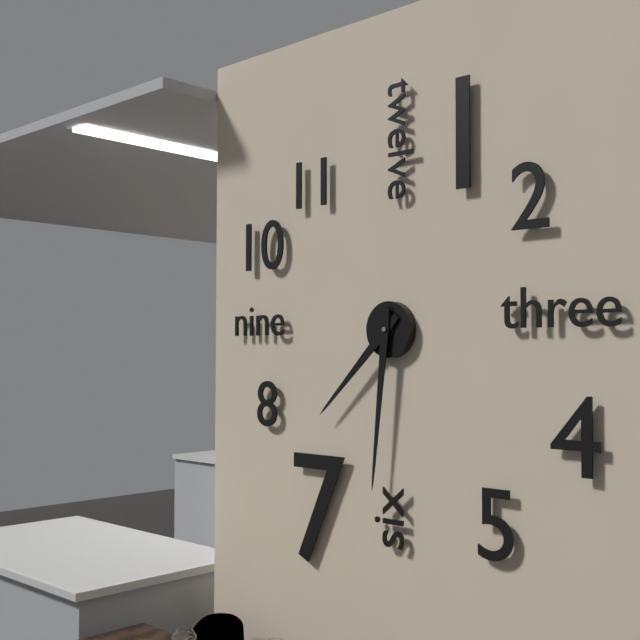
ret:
7:31
